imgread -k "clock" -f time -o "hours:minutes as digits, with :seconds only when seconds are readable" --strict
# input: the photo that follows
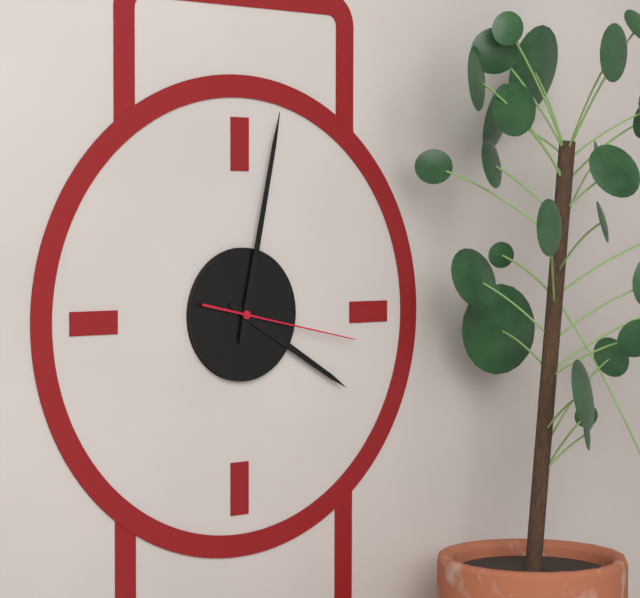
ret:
4:02:17
